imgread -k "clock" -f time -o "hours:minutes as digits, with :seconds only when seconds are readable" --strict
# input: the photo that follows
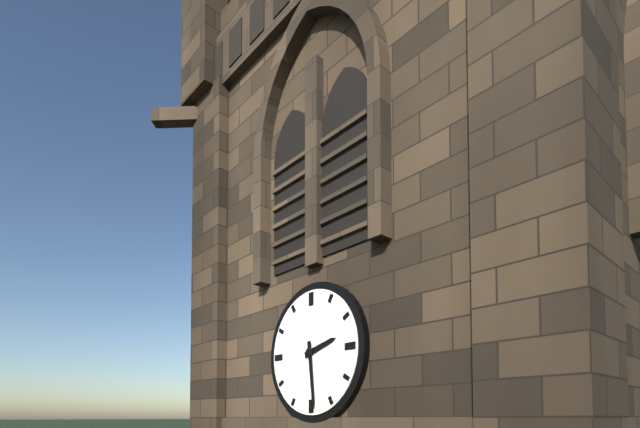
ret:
2:29
